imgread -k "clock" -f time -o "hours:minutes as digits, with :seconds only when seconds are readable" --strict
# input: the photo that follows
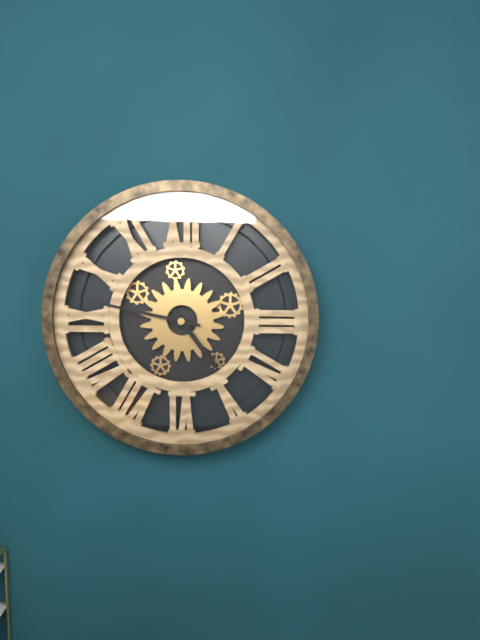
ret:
4:47
